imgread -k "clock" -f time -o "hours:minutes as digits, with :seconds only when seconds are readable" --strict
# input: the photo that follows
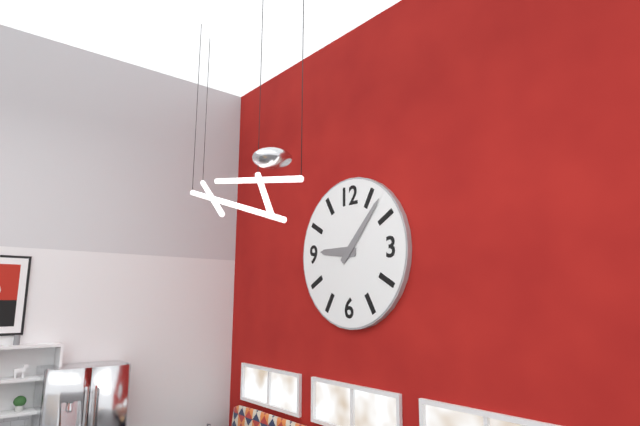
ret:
9:07
